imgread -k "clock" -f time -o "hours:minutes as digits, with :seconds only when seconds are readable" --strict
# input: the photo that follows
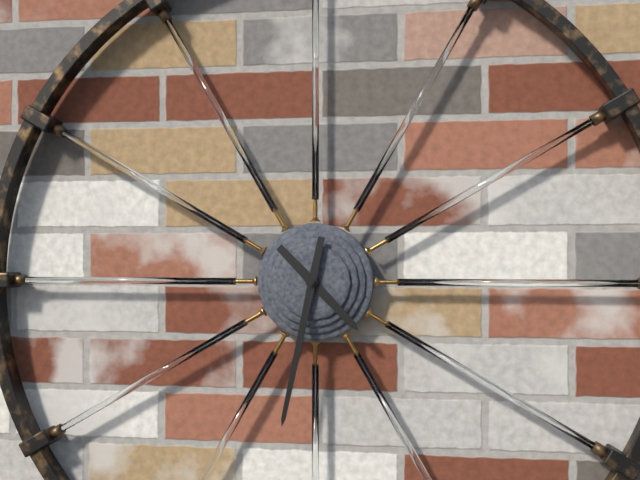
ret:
4:32
